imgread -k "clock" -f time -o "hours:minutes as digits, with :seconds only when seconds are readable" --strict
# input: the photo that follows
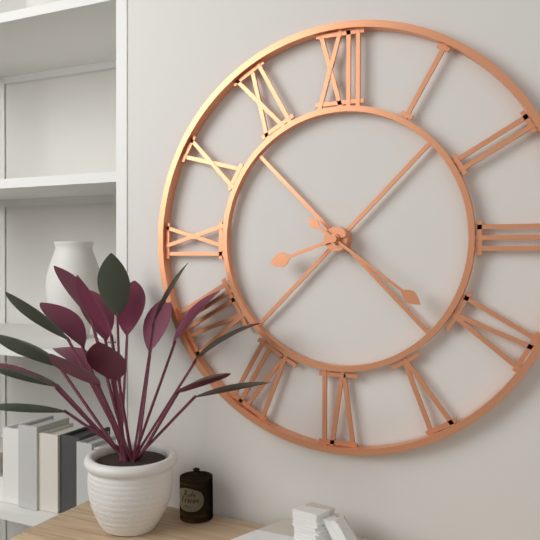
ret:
8:21
